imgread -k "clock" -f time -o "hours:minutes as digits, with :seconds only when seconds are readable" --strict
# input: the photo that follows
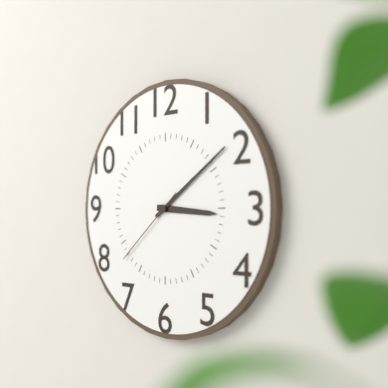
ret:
3:09:38
